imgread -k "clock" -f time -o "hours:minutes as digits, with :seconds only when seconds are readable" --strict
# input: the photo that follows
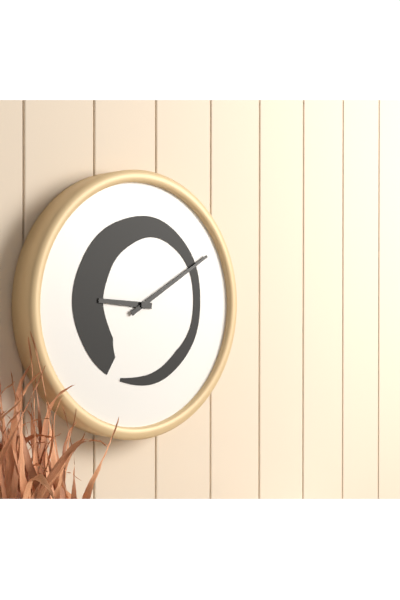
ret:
9:10
